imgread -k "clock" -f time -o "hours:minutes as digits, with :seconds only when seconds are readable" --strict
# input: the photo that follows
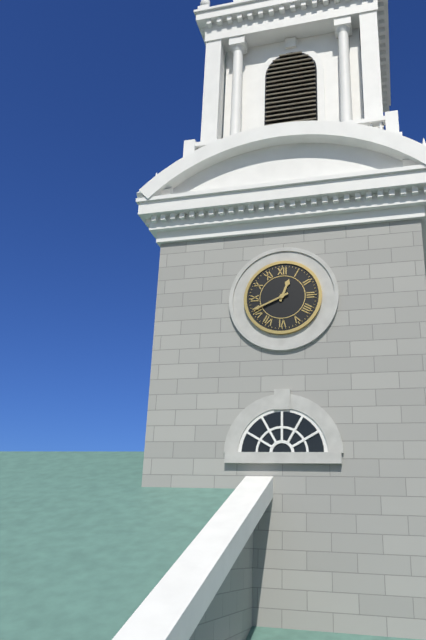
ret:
12:41
